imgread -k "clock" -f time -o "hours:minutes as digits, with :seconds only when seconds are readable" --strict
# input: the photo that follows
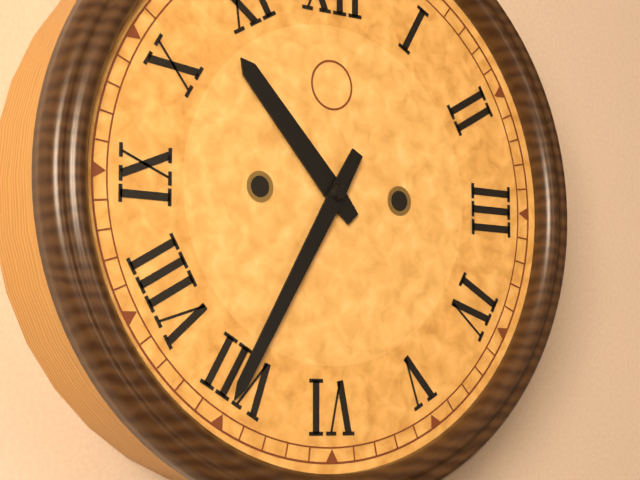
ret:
10:35
